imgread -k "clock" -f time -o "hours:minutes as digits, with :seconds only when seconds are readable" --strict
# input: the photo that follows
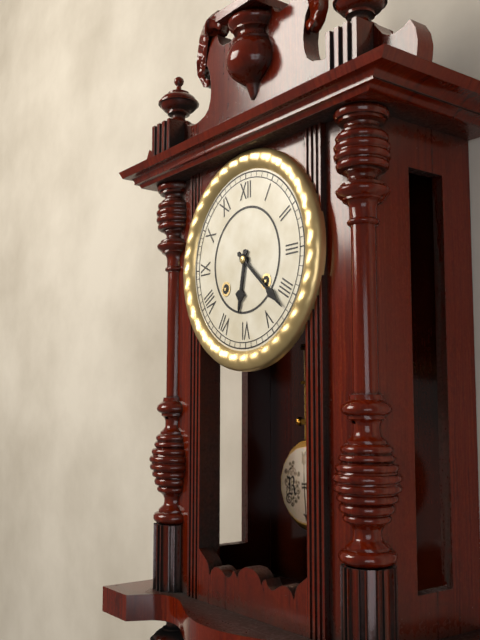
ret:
6:22
